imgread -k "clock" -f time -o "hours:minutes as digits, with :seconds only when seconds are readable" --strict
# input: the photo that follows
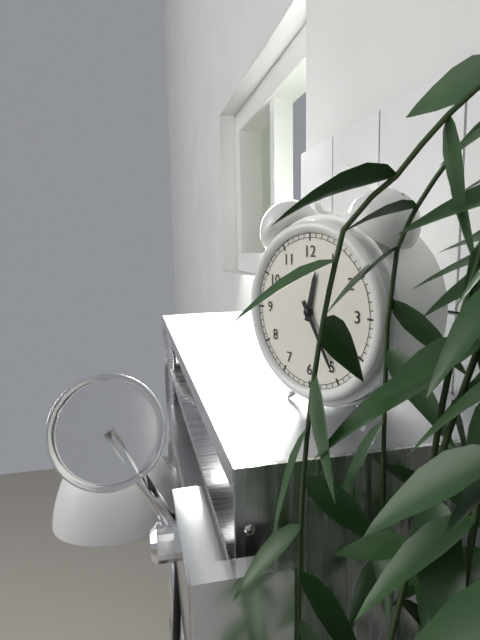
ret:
12:25
